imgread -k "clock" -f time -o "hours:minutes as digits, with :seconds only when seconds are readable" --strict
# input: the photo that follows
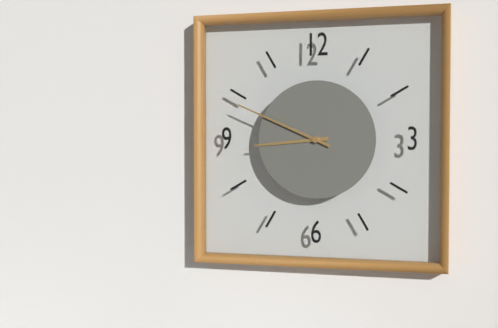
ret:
8:49
